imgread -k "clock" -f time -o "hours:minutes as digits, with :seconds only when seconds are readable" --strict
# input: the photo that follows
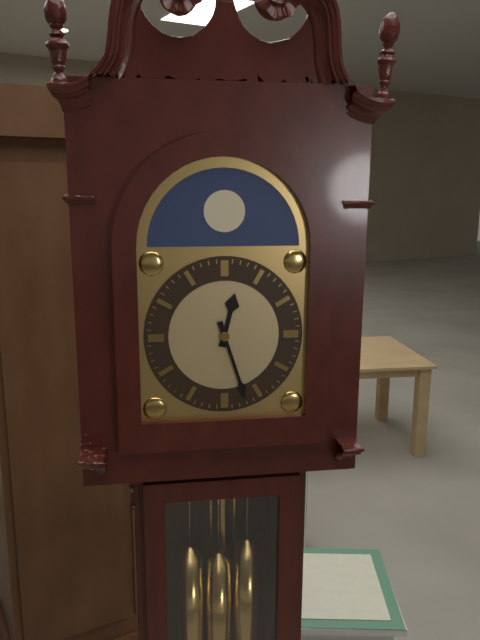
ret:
12:27
